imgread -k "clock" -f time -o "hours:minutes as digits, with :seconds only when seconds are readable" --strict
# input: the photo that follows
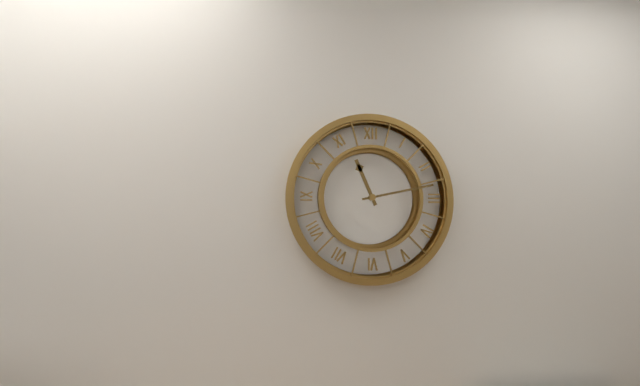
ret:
11:13
